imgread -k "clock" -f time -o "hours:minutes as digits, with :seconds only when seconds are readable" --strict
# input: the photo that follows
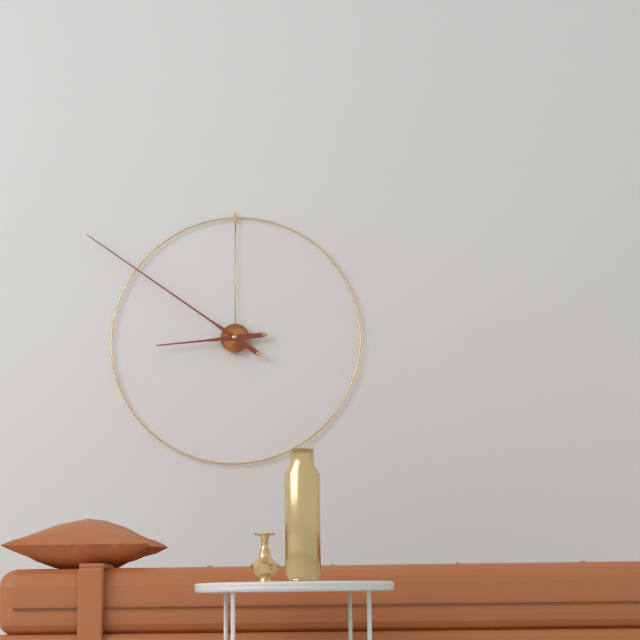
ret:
8:51
